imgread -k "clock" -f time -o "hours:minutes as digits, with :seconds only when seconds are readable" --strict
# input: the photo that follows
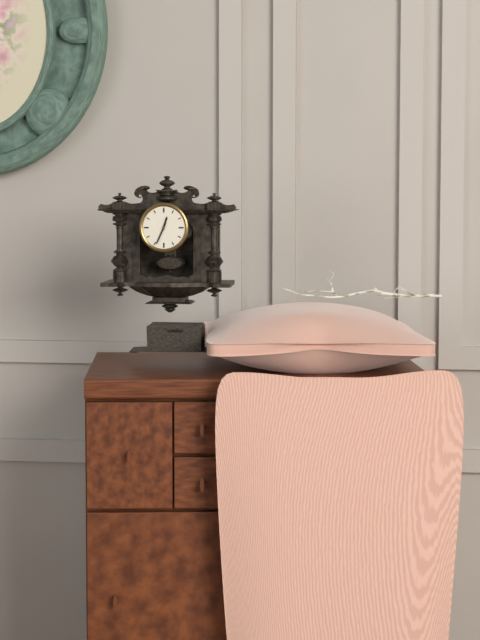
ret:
12:34
